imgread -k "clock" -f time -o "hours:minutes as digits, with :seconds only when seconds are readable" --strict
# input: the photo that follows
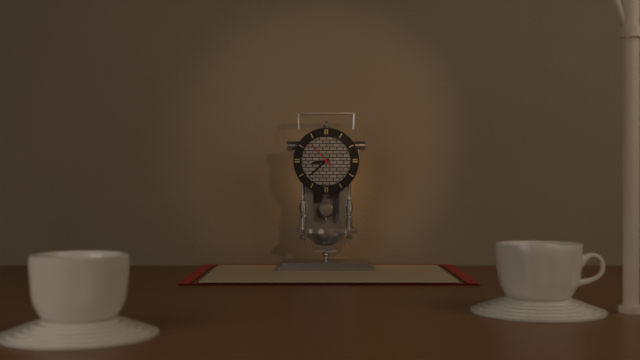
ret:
8:38
